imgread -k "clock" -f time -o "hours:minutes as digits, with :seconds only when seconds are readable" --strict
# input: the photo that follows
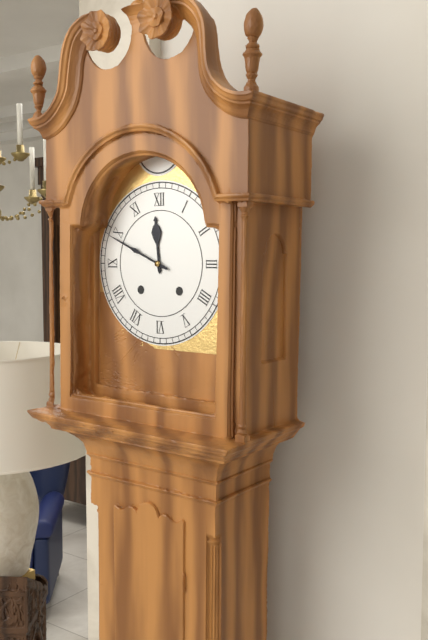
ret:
11:49
